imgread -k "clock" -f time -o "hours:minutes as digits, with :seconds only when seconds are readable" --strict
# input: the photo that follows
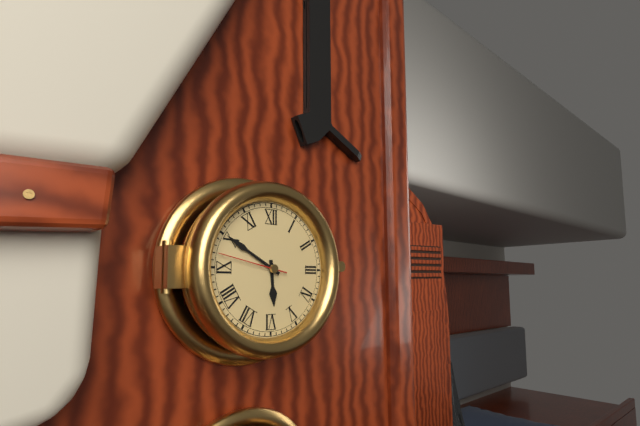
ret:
5:50
